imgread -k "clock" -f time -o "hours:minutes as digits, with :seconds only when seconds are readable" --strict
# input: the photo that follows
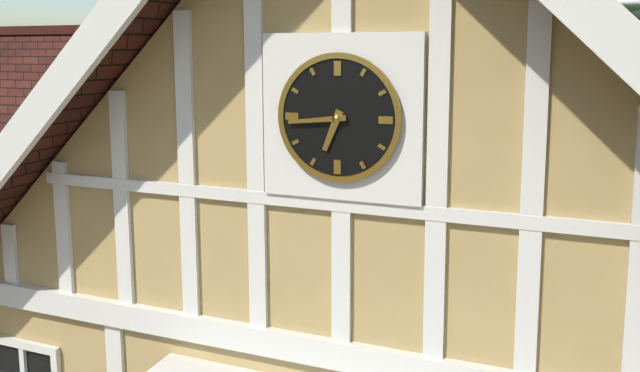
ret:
6:44
